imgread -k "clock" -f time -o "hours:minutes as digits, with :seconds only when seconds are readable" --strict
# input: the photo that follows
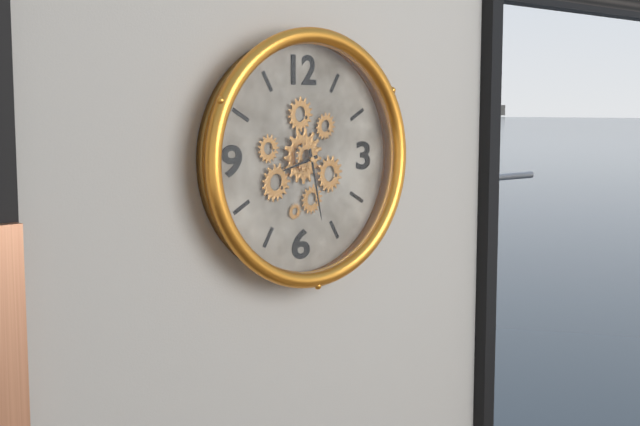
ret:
8:28
